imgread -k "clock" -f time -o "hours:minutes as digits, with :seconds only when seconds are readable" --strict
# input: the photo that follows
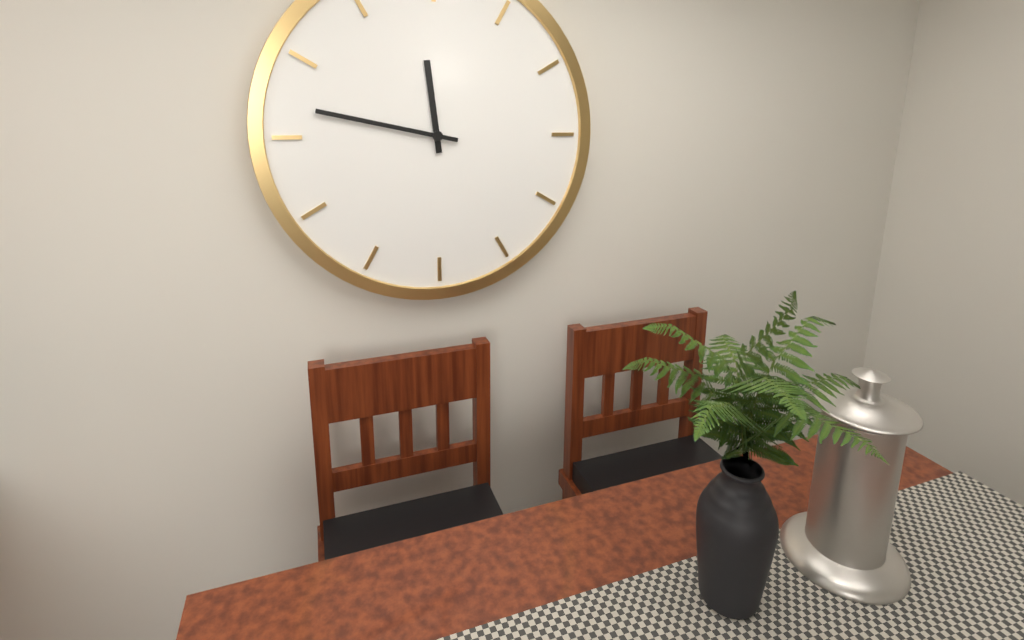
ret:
11:47
